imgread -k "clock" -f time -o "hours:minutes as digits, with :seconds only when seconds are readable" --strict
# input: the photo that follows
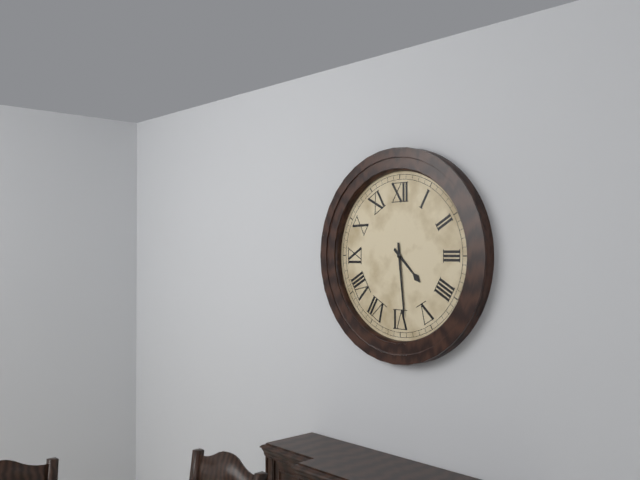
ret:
4:29
